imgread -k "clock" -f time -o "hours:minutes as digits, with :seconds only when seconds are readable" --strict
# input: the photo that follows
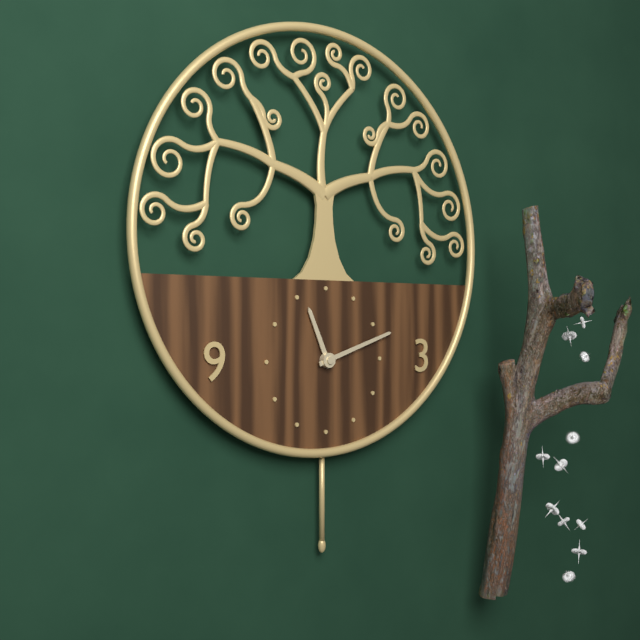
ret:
11:12
